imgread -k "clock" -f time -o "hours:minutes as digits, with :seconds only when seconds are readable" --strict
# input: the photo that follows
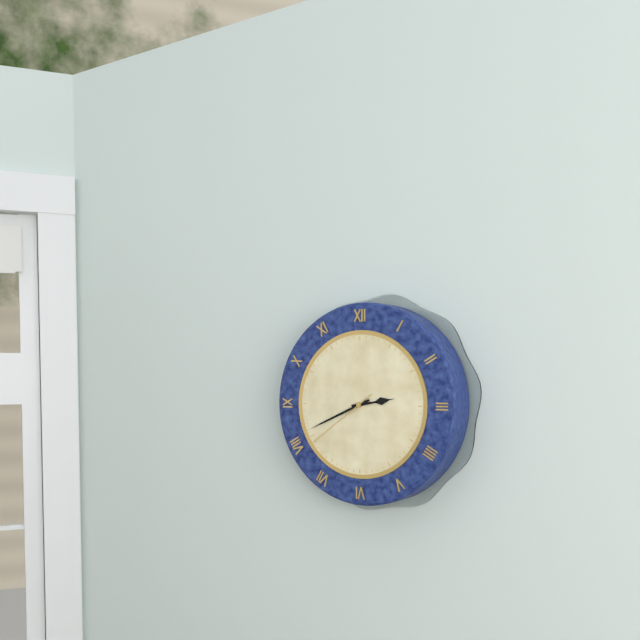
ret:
2:41:39
